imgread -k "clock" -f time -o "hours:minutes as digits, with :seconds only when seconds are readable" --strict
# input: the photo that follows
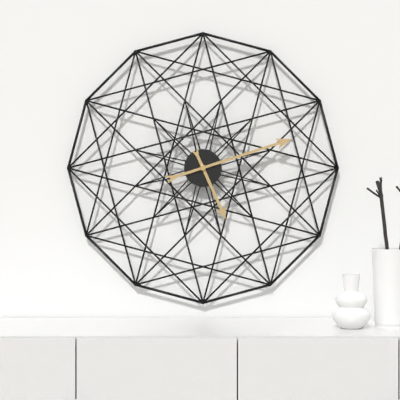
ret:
5:12
